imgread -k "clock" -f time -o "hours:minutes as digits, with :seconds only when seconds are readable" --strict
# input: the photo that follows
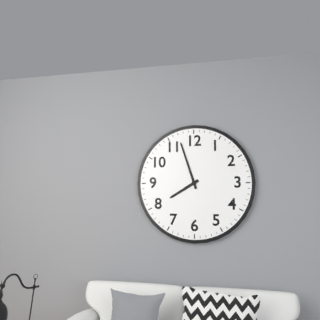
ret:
7:57
